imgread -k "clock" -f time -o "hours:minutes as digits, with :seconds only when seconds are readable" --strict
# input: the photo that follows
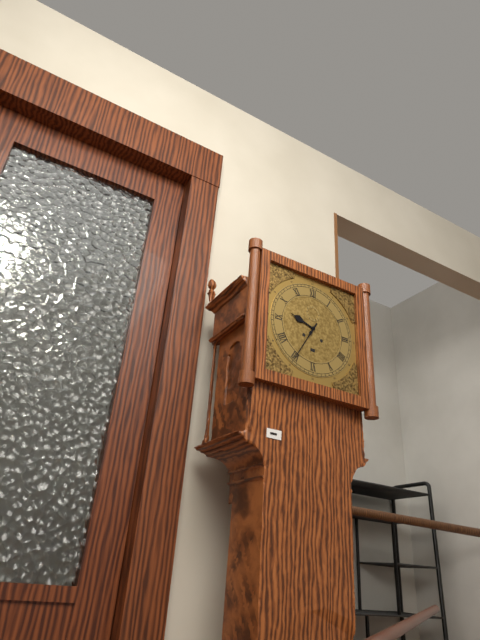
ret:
9:35
